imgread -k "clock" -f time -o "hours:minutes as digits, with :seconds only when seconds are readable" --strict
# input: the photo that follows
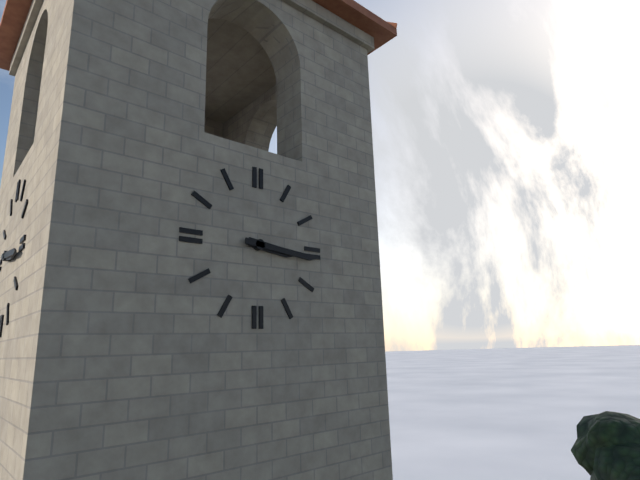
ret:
3:16
